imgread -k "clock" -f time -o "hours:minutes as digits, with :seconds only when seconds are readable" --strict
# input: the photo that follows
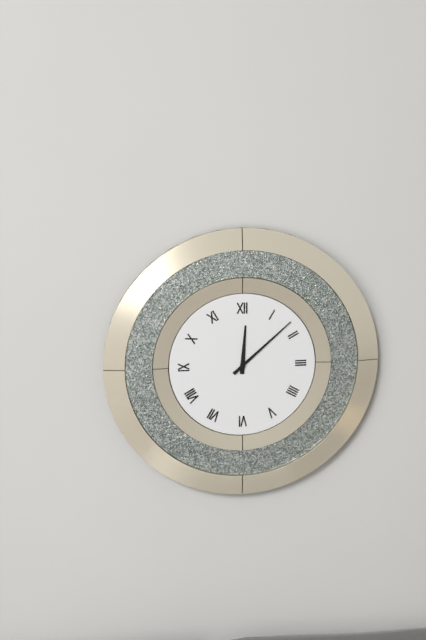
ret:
12:08
